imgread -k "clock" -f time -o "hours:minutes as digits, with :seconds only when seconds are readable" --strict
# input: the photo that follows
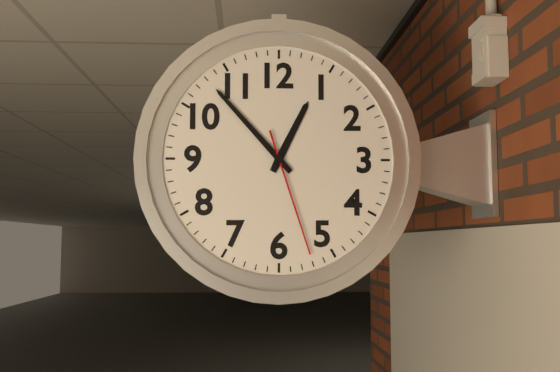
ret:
12:53:27
